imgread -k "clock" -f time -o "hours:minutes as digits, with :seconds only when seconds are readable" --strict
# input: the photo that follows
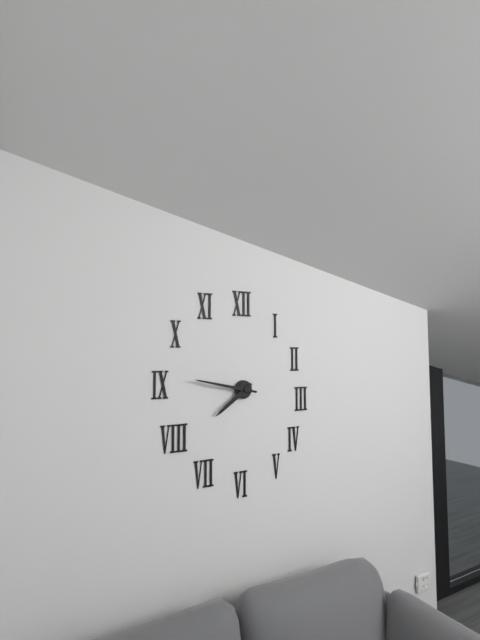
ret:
7:47
